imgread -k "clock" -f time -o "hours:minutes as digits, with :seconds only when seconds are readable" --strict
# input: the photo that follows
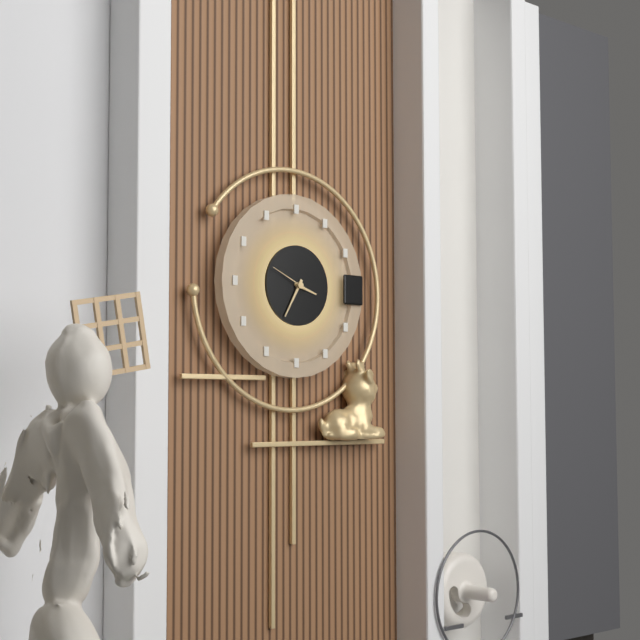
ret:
3:35
